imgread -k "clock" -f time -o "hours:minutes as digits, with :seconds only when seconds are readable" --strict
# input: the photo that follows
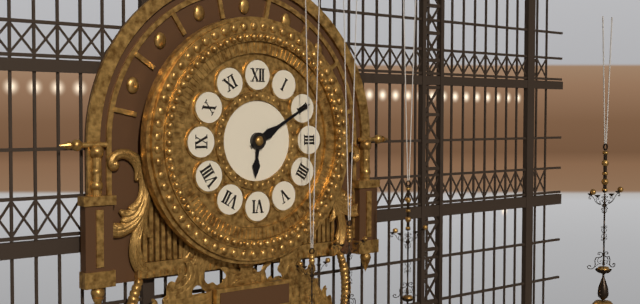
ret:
6:10
